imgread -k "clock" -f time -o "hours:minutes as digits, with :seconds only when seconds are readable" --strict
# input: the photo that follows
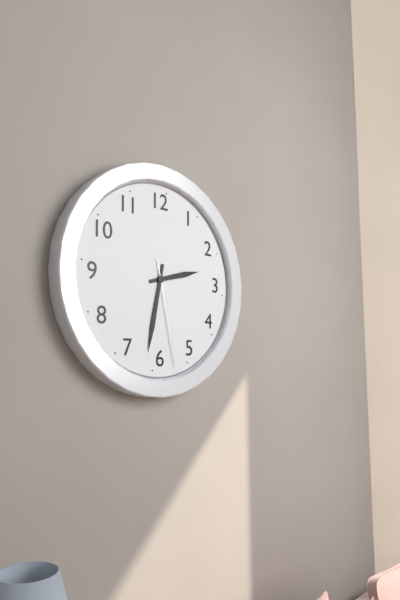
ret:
2:32:28
